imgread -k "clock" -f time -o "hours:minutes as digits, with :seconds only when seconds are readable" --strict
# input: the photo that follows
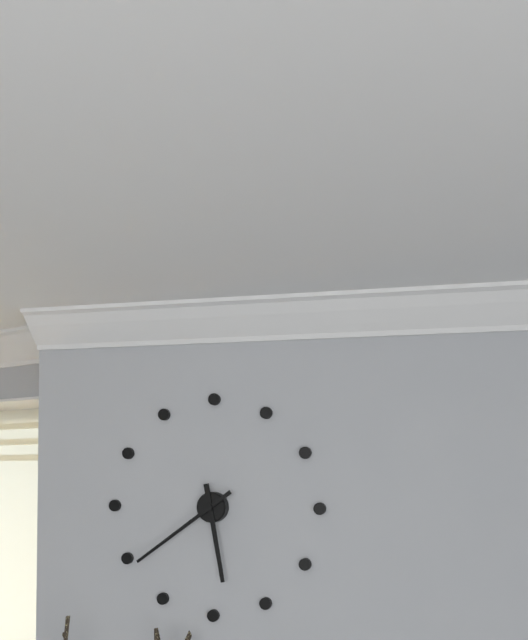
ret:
5:39
